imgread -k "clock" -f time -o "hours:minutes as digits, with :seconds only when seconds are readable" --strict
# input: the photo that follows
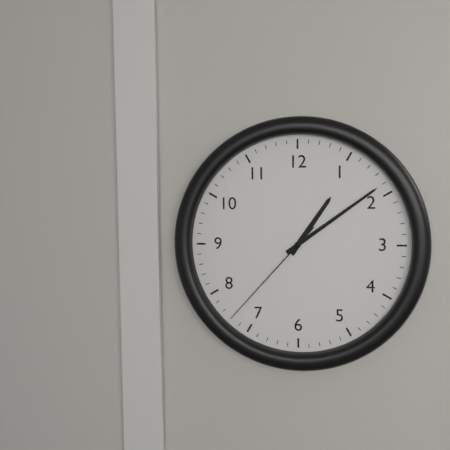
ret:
1:09:37
